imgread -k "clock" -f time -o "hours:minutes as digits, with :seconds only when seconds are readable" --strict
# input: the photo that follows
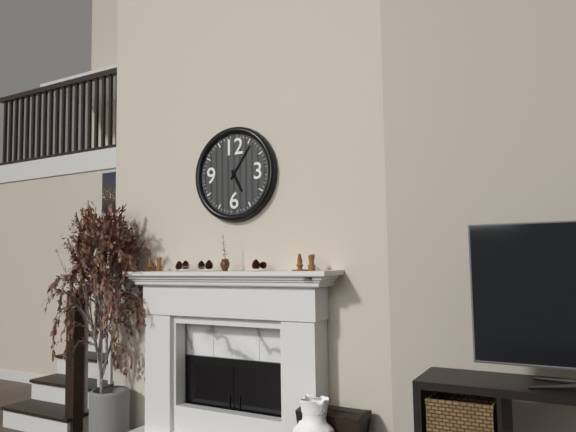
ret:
5:06
